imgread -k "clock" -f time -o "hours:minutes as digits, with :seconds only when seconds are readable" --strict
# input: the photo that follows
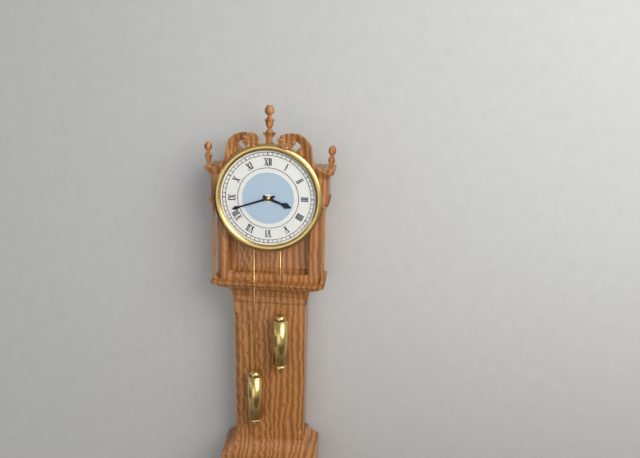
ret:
3:42
